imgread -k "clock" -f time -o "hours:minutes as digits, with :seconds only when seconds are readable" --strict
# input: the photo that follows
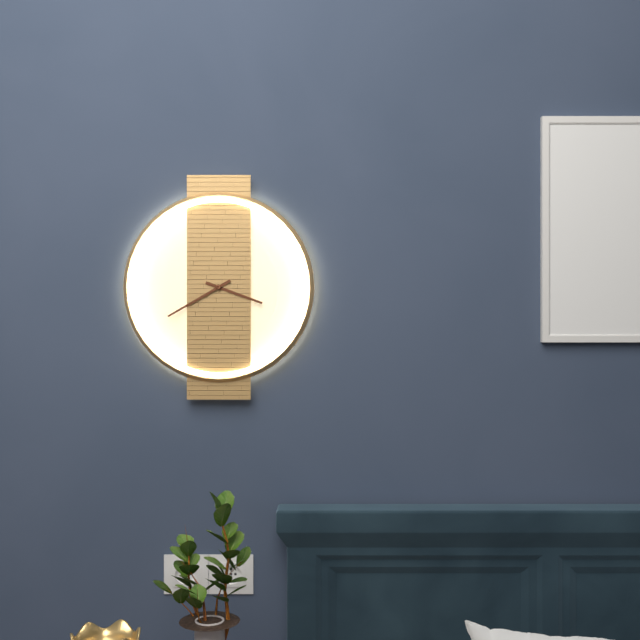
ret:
3:40
